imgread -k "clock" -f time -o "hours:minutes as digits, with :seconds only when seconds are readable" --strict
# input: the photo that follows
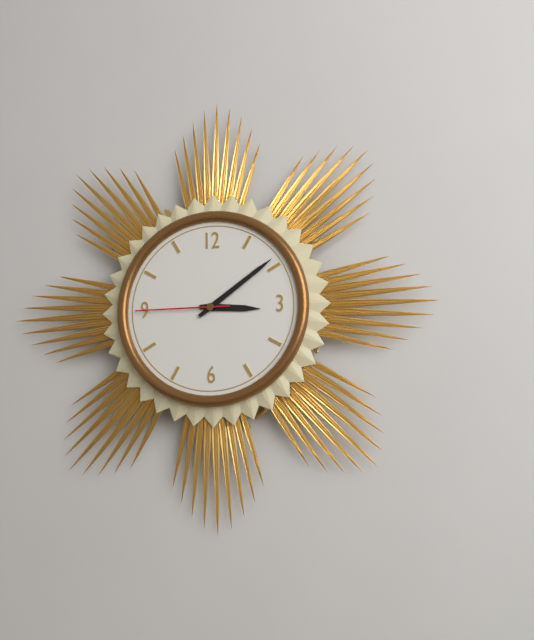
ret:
3:09:45
